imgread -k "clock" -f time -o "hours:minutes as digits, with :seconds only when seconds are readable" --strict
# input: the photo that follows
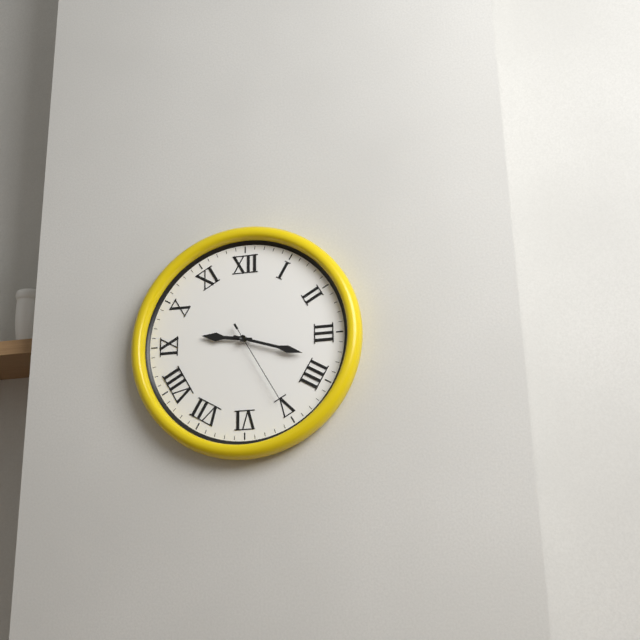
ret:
9:18:25
